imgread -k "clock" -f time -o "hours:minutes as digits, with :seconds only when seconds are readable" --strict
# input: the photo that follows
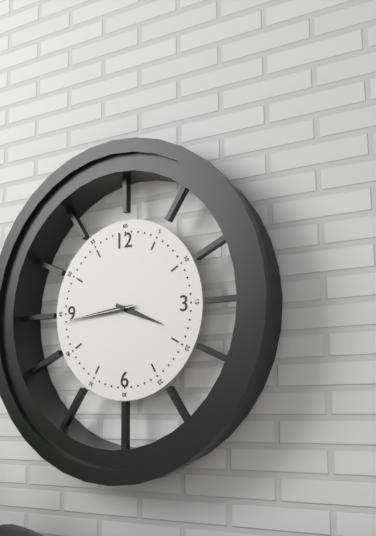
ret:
3:44:44
